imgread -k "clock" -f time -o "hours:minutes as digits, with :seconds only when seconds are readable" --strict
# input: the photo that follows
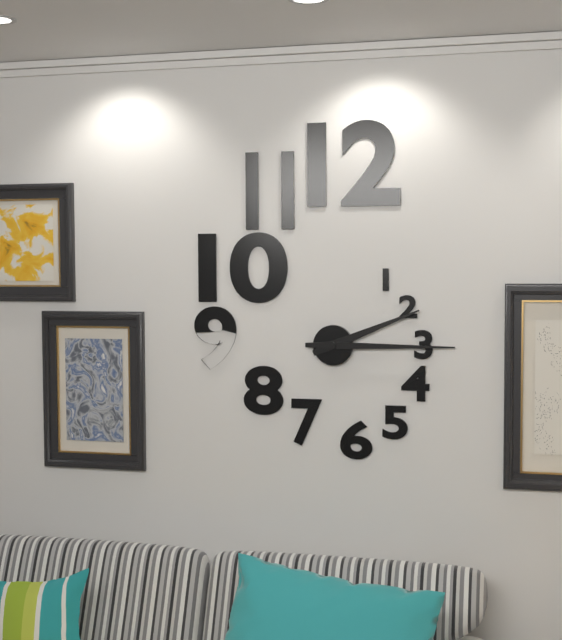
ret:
2:15
